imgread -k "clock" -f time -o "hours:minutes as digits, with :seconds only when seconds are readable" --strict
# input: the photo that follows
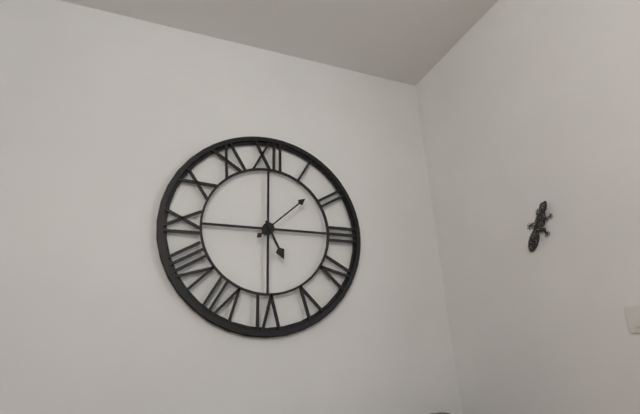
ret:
5:08
